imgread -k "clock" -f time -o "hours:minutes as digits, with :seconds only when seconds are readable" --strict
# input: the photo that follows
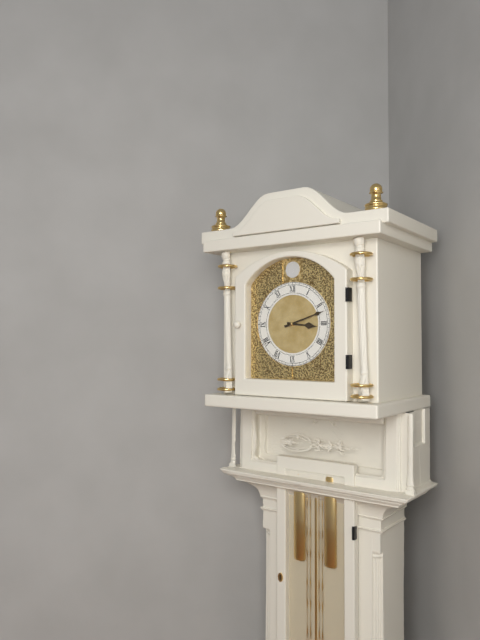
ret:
3:12
